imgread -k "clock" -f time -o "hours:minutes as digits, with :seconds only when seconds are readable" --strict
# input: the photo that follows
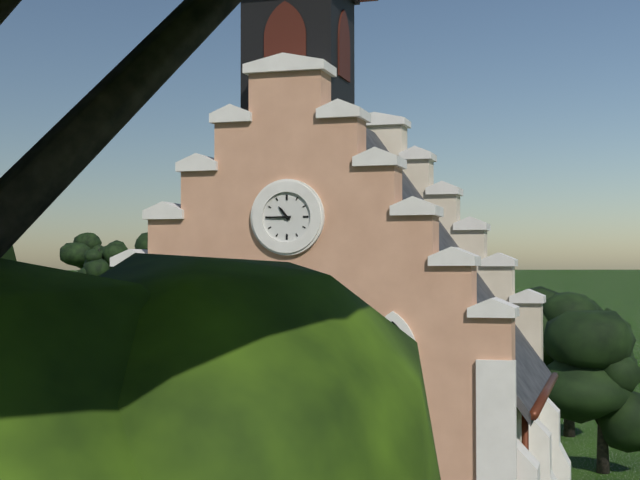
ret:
10:45
